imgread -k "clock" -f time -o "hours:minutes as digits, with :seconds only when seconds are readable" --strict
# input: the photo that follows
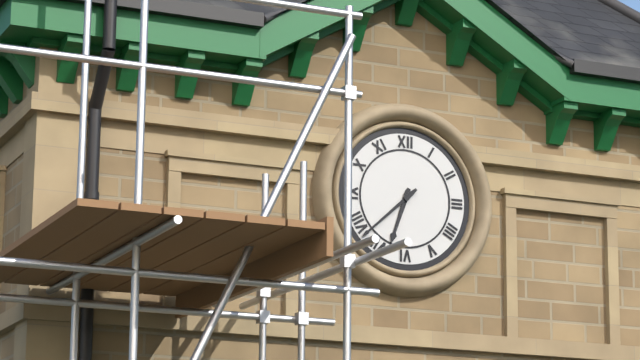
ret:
6:38
